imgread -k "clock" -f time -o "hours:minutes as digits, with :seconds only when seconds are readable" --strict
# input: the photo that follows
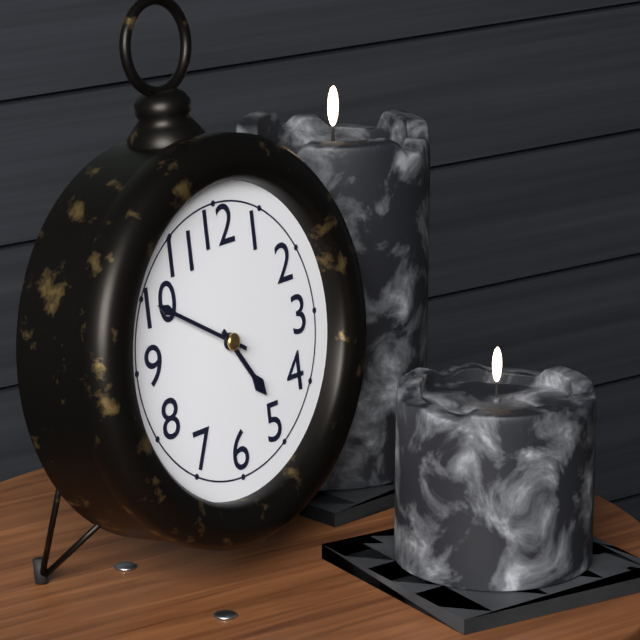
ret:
4:50
